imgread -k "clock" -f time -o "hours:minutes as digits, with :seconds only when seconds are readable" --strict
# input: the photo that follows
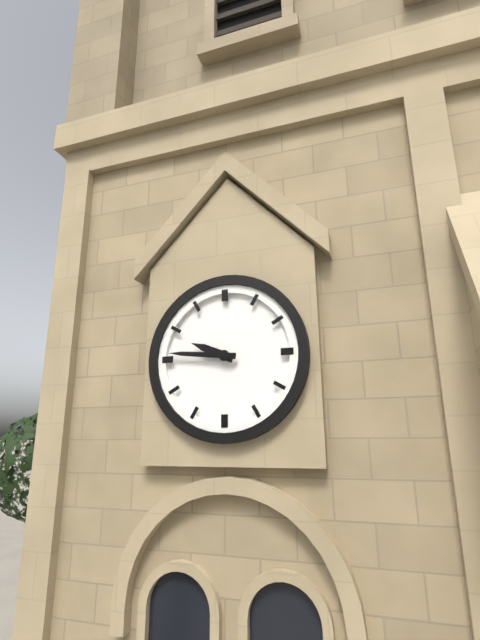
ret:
9:46
